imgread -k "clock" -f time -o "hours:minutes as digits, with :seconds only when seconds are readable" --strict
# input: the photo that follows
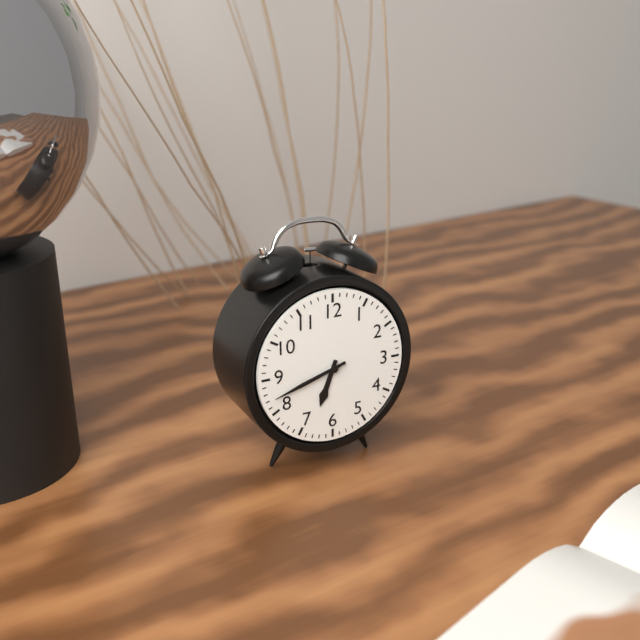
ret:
6:42
